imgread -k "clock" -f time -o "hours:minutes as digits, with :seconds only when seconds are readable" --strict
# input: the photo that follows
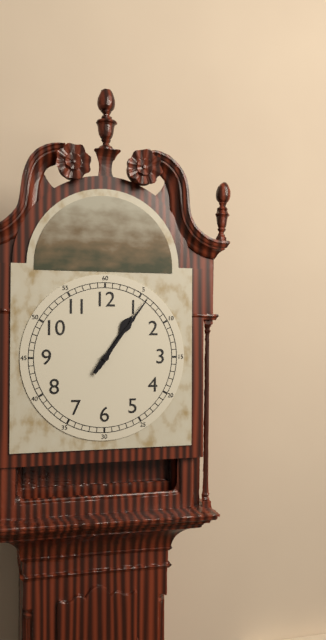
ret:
1:06
